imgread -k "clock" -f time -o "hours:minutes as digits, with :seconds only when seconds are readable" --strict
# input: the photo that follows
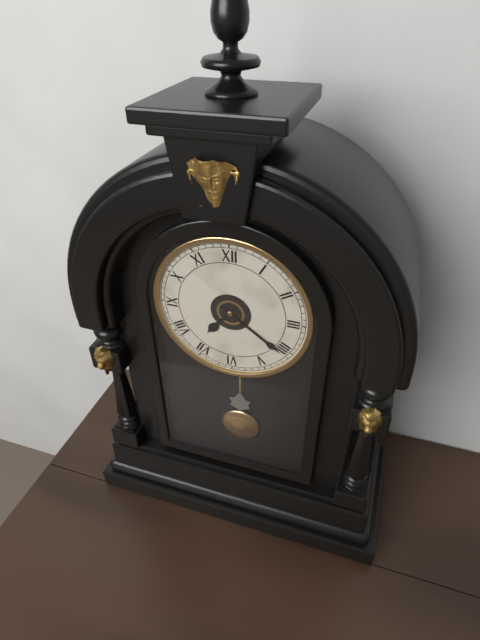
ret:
7:21
